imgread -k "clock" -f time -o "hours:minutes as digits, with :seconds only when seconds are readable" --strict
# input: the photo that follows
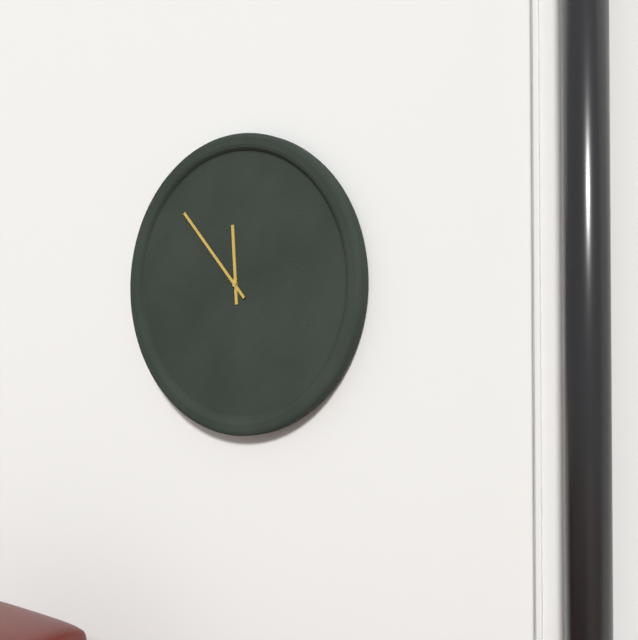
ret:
11:53
